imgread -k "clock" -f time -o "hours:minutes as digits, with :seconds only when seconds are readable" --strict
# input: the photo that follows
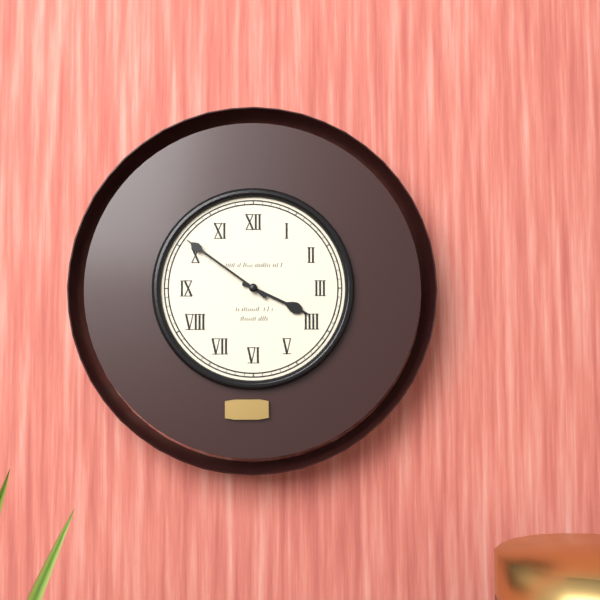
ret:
3:51
